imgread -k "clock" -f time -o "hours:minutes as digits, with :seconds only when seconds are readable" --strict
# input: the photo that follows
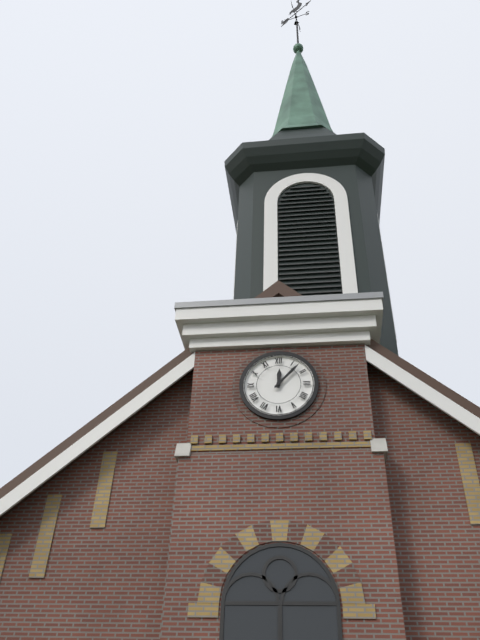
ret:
12:07
